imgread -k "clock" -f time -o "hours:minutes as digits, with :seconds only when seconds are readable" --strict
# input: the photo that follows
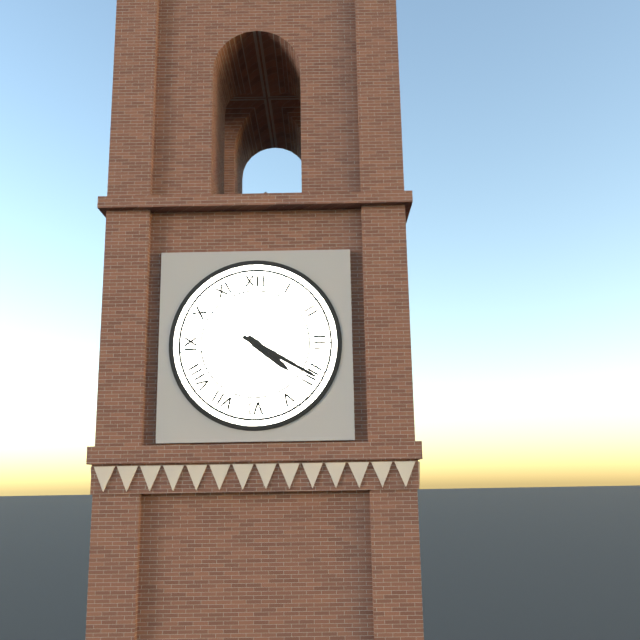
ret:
4:20
